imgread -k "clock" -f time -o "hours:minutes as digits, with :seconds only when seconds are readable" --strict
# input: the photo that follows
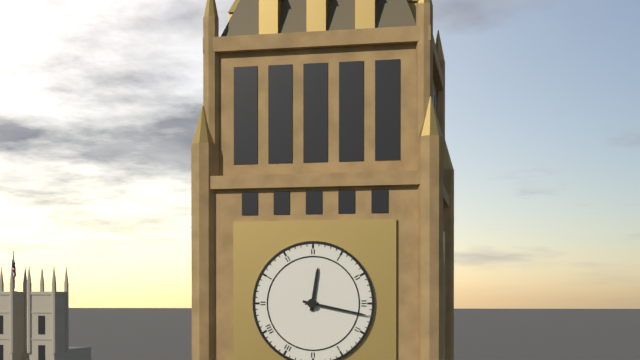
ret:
12:17
